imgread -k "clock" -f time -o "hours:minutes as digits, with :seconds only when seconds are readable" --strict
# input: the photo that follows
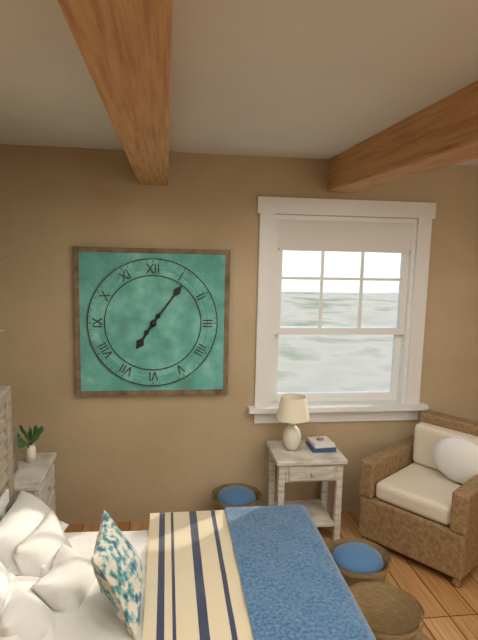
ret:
7:06
